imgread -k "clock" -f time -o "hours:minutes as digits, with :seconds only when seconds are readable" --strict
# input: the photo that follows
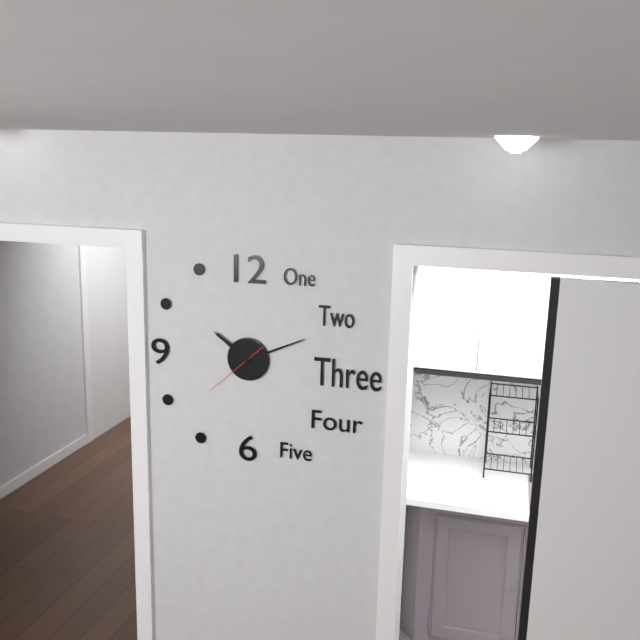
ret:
10:11:38
